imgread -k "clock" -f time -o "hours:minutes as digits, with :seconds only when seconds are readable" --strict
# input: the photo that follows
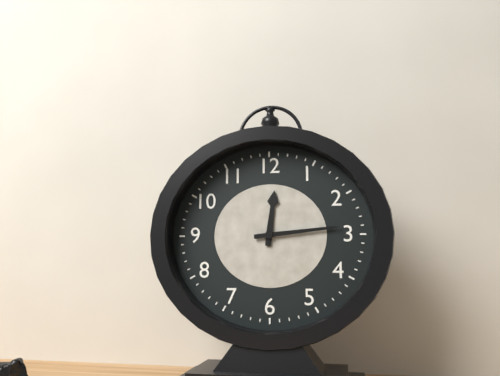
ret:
12:14
